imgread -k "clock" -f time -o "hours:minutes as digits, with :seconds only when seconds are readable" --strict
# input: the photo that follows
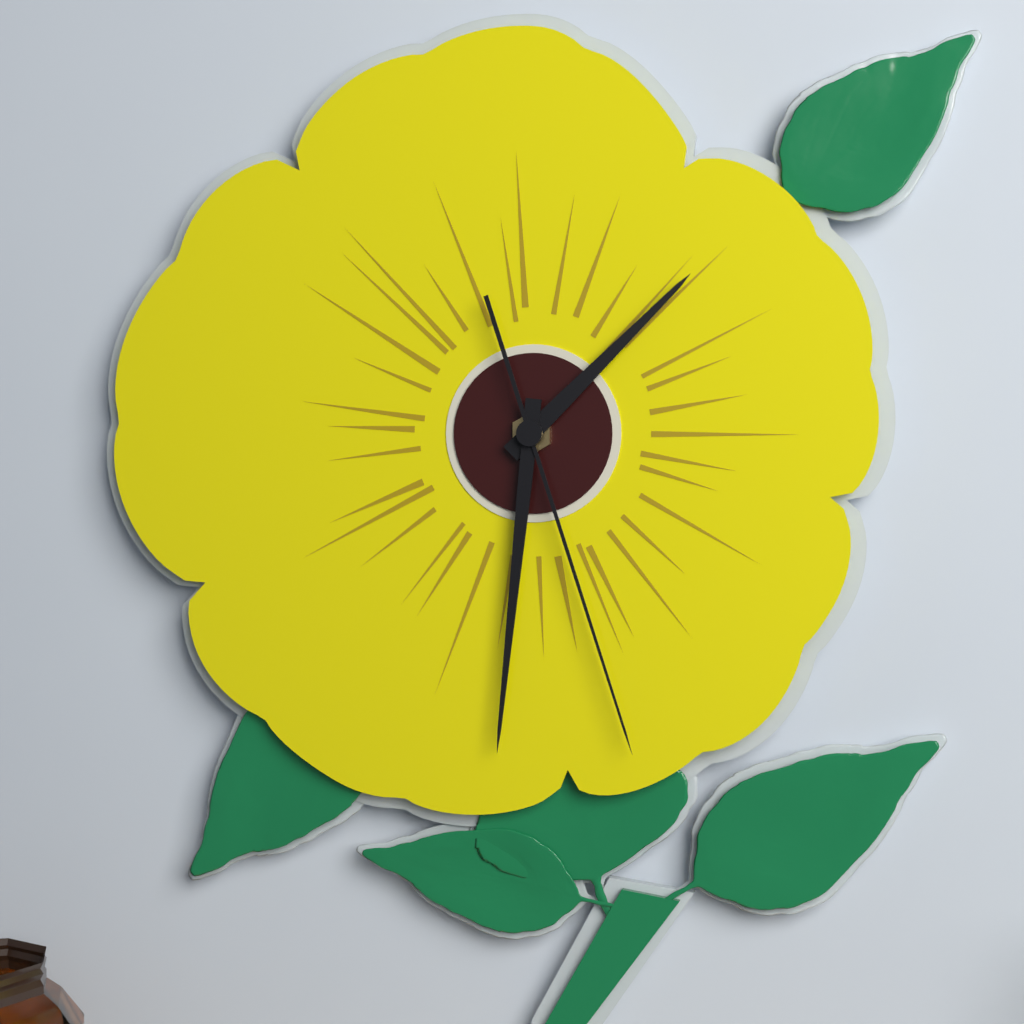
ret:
1:31:27
